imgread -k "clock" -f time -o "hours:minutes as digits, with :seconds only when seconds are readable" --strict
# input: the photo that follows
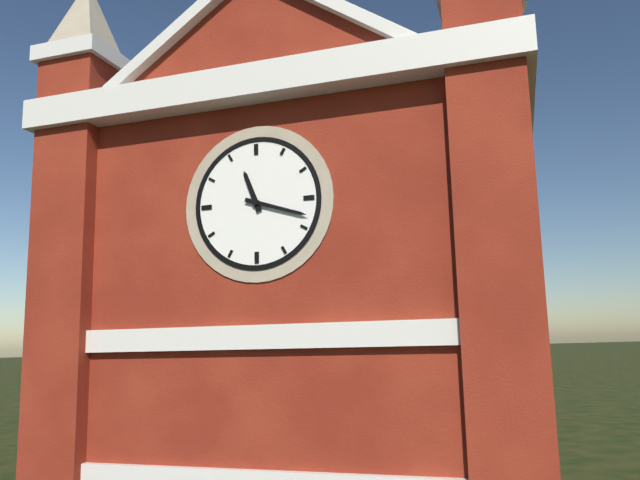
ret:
11:18
